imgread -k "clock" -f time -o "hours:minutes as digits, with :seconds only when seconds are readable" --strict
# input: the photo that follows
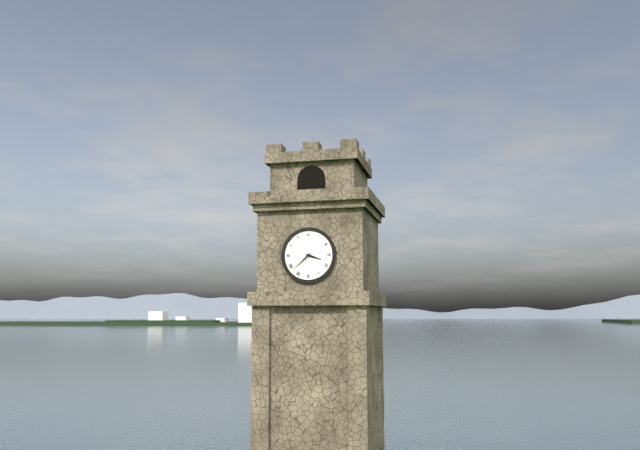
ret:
3:38
